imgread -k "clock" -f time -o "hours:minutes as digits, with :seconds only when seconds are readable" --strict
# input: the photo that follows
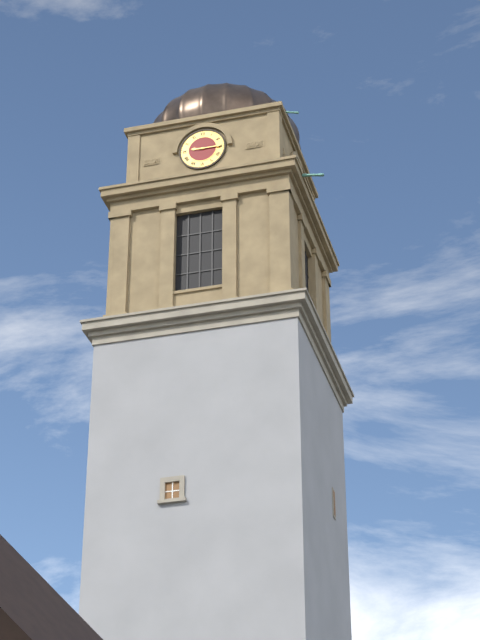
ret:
9:15
